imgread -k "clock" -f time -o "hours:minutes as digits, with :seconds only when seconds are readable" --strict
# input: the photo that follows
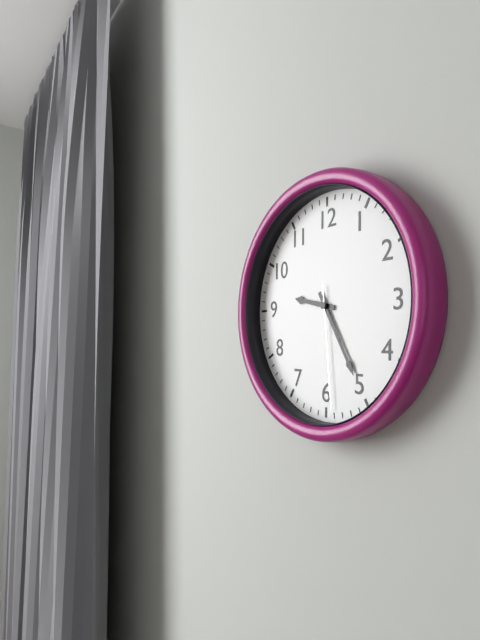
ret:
9:25:29
